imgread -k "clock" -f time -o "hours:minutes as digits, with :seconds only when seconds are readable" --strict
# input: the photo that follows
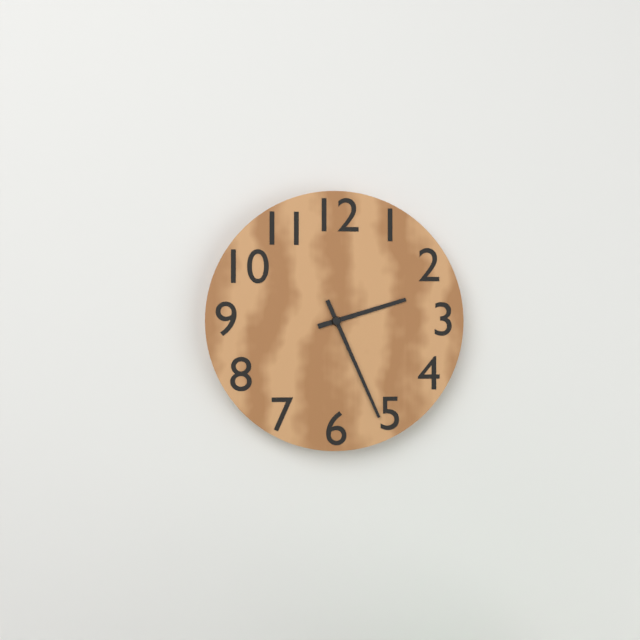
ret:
2:26
